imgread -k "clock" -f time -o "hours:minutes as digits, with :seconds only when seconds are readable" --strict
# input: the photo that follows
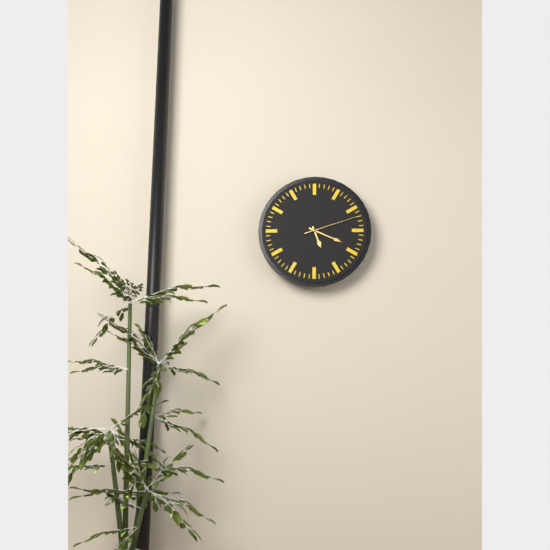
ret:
5:19:12
